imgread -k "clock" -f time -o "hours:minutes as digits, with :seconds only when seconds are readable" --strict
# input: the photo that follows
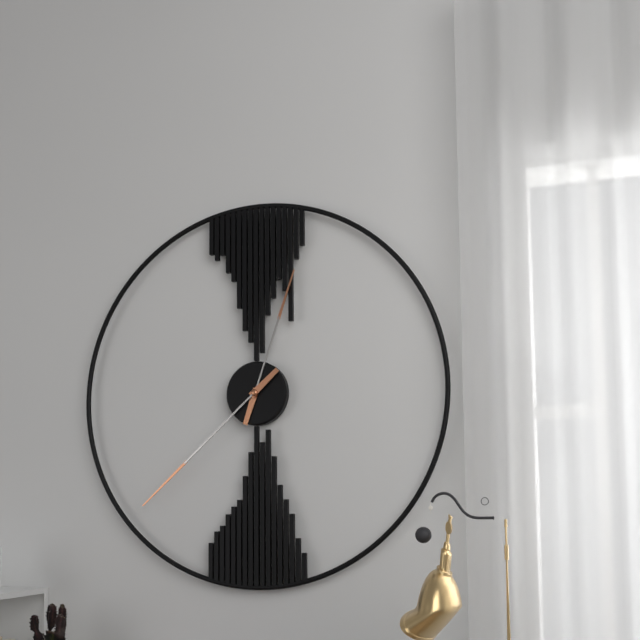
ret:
12:38
